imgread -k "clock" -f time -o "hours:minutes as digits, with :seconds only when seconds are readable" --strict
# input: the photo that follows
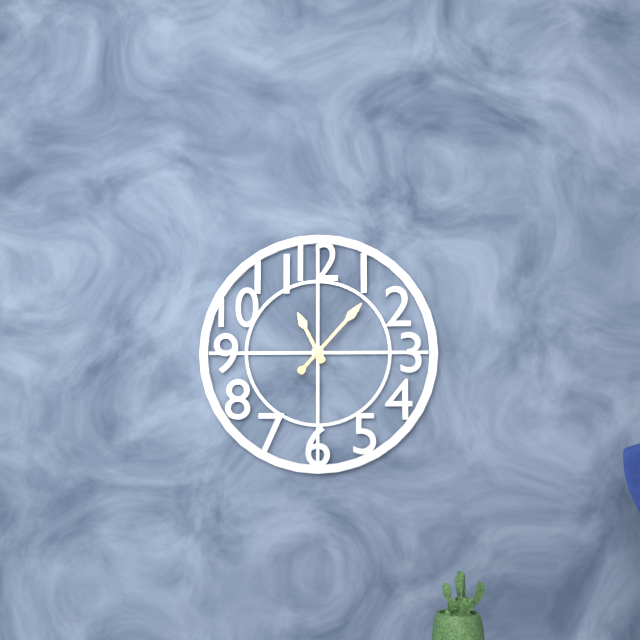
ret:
11:07
